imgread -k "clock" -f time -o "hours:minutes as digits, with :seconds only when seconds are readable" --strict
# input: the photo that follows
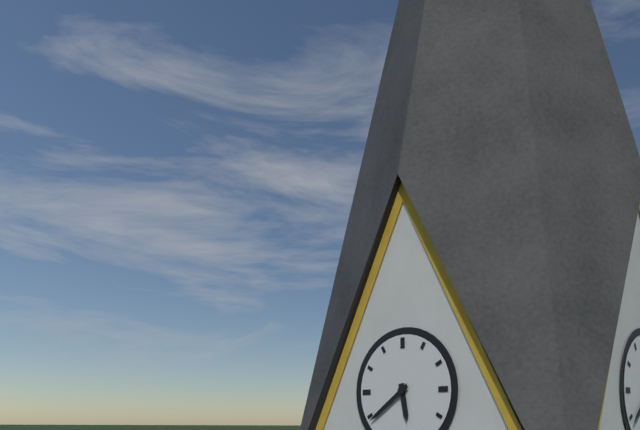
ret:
5:39
